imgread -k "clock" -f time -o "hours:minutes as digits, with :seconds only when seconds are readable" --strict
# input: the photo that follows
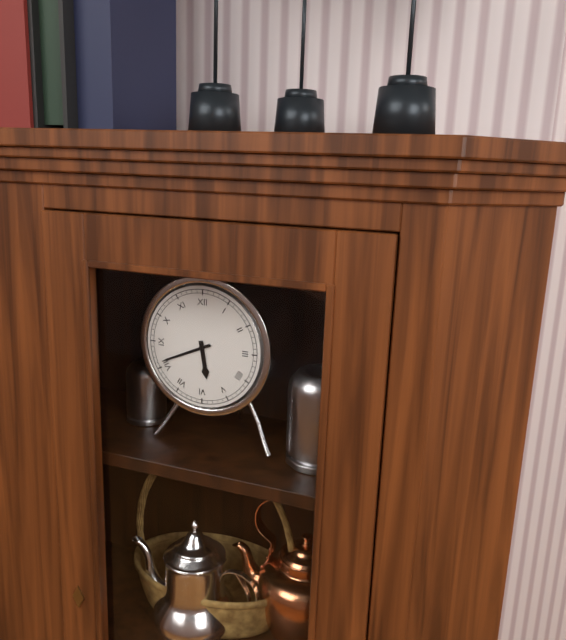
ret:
5:41
